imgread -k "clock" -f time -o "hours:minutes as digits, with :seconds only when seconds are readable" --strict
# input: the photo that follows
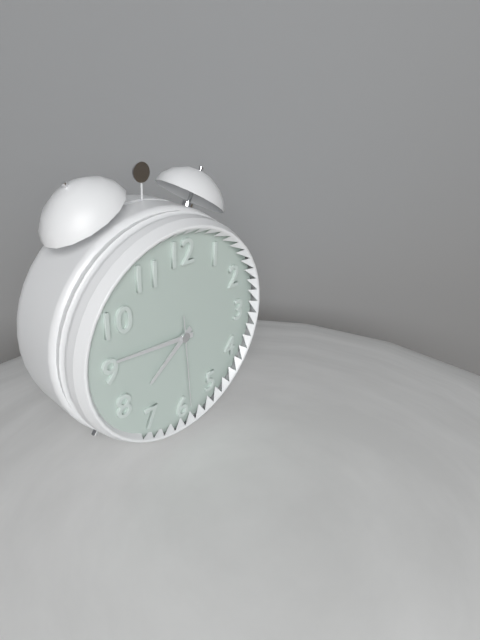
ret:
7:46:29
